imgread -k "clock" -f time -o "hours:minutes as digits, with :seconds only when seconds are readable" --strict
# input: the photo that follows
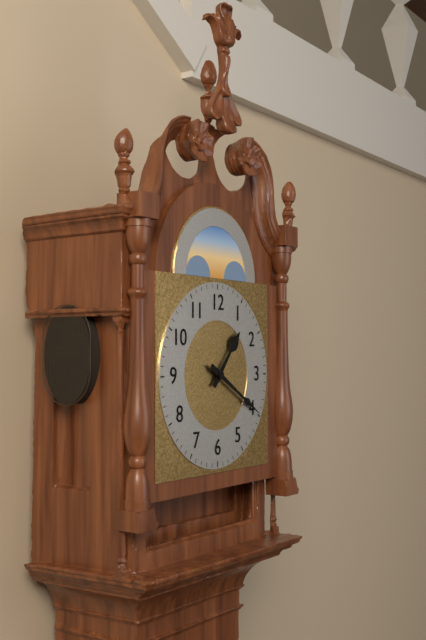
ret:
1:20
